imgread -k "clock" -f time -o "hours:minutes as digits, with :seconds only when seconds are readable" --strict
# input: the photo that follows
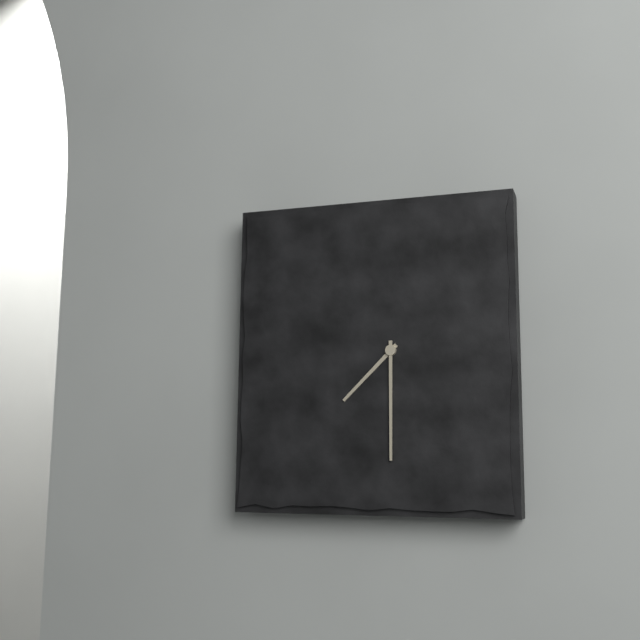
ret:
7:30
